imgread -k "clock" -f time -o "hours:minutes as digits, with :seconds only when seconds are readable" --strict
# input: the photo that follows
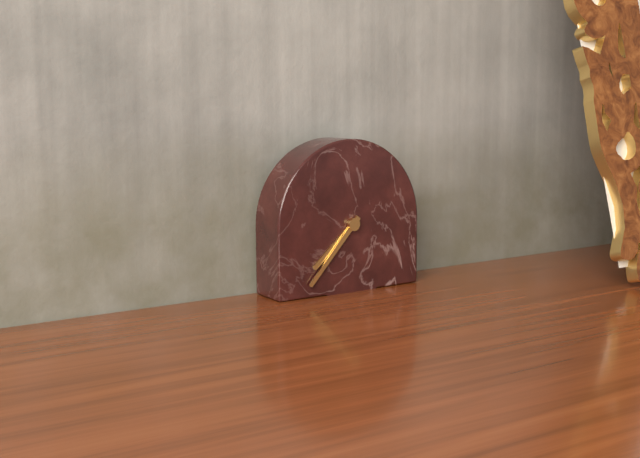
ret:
7:37
